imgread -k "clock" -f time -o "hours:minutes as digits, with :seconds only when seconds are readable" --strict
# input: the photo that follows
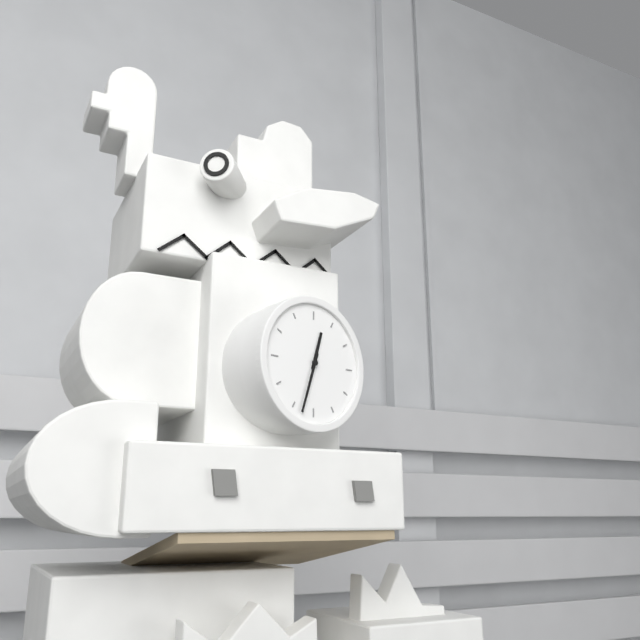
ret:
12:33
